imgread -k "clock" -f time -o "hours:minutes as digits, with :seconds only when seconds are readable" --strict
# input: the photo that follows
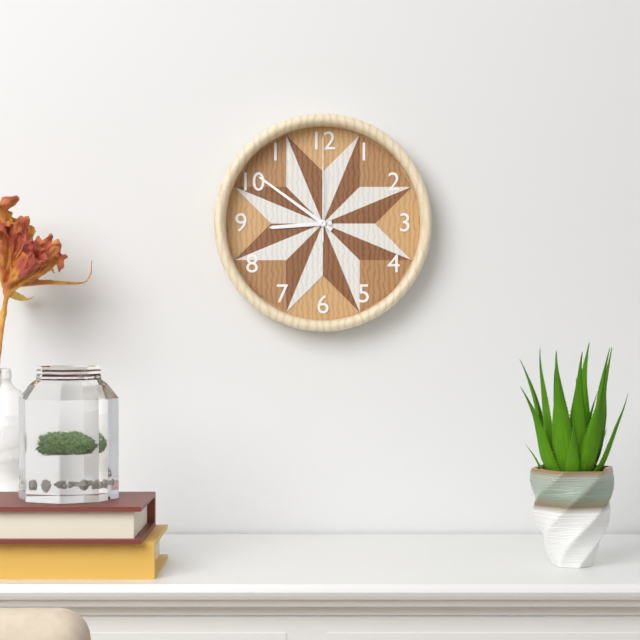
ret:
8:51:00
